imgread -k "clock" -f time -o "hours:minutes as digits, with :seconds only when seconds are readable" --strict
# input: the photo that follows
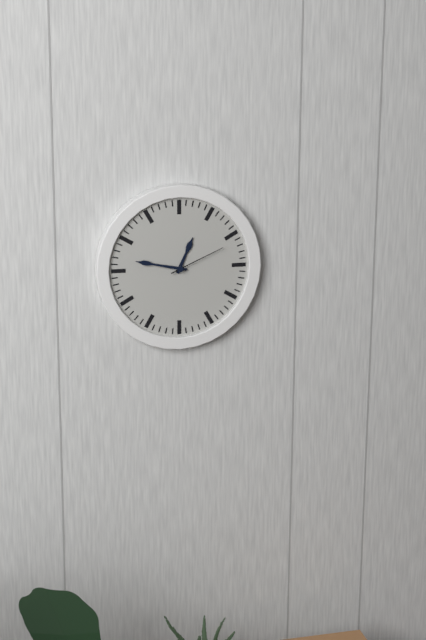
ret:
12:47:11
